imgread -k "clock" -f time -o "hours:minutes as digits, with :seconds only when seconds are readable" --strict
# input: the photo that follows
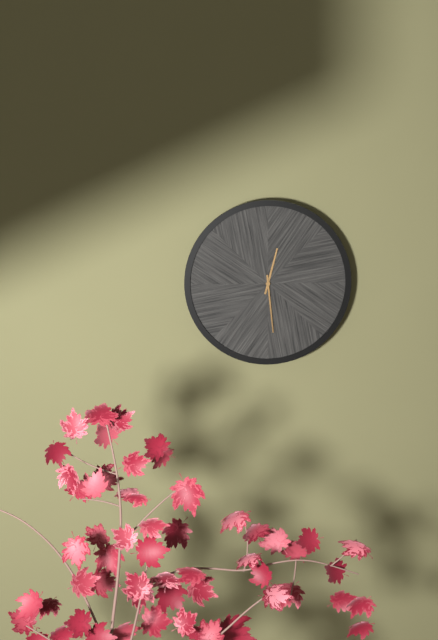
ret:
12:29
